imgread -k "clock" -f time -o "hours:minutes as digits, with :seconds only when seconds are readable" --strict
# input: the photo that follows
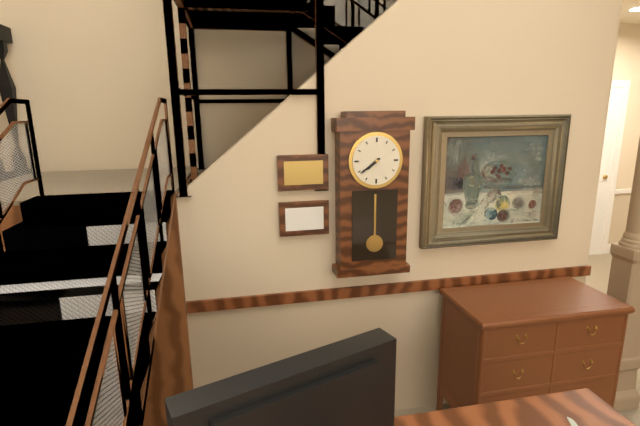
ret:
7:39
